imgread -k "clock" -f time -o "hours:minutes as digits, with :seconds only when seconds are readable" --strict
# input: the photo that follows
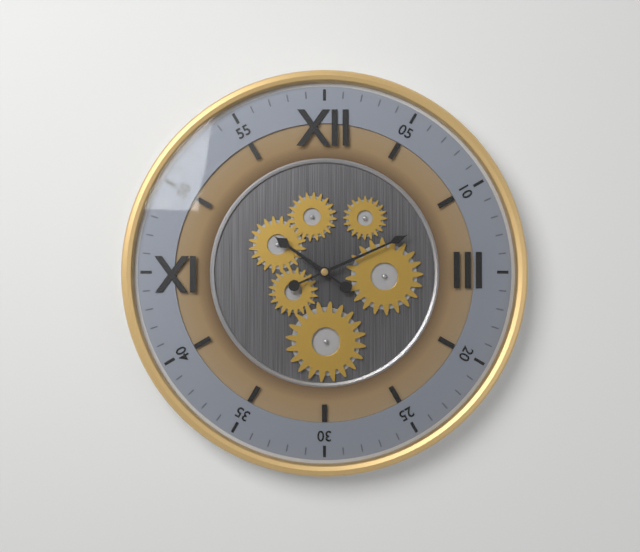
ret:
10:11
